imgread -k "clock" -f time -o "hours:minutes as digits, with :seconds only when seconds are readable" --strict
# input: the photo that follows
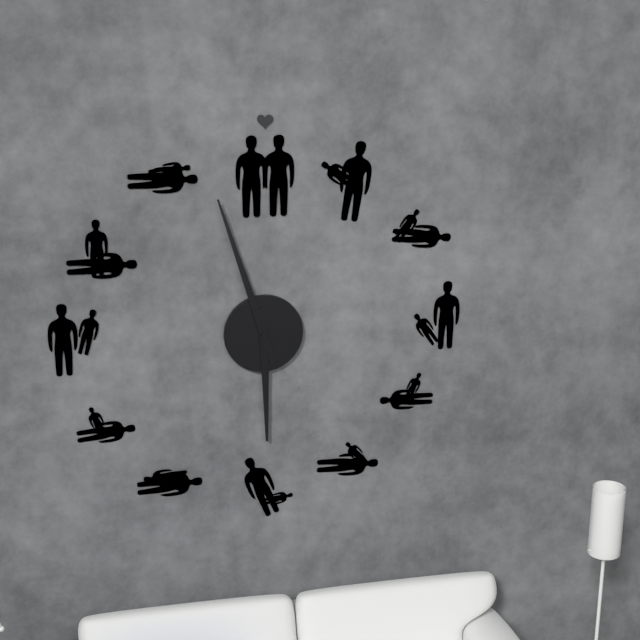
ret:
5:57
